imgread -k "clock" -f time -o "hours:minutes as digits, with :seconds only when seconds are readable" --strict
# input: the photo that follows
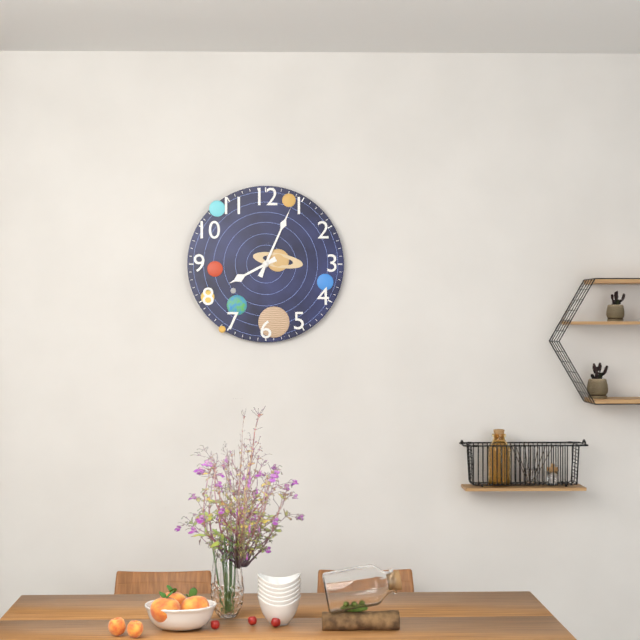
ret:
8:04
